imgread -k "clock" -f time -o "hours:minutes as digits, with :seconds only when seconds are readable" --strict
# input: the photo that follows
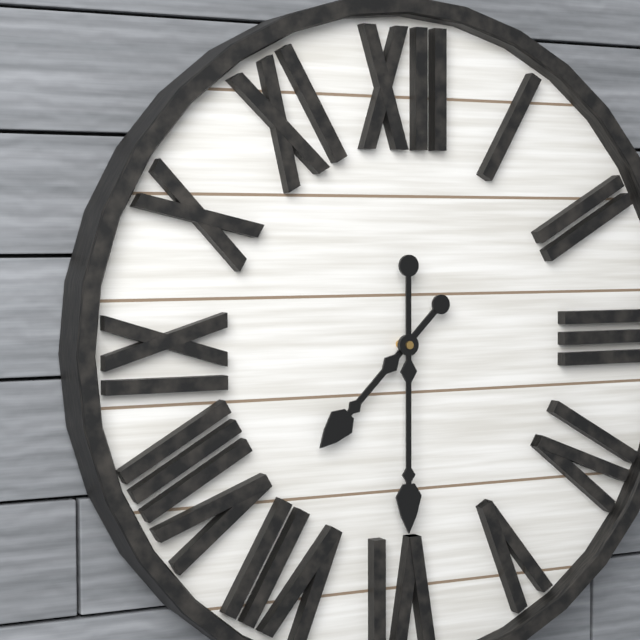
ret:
7:30
